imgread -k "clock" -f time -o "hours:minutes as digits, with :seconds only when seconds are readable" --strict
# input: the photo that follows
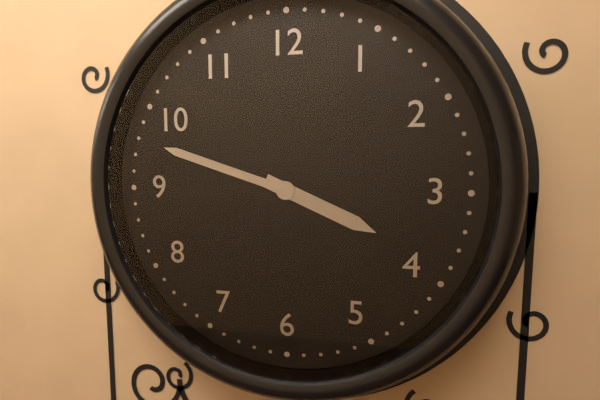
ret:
3:48
